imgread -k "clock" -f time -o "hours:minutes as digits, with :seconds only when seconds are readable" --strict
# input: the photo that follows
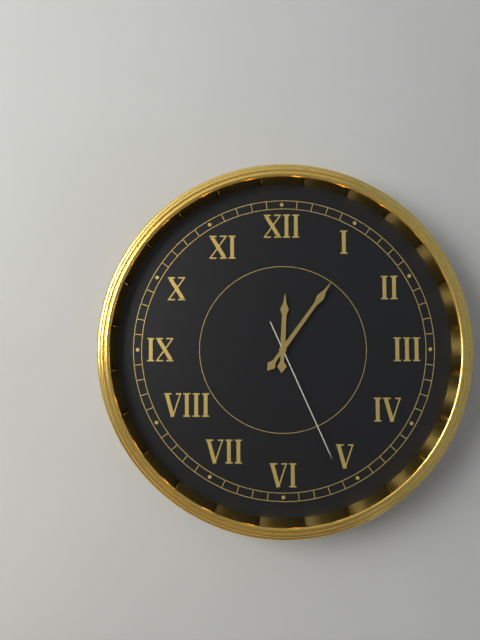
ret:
12:06:26
